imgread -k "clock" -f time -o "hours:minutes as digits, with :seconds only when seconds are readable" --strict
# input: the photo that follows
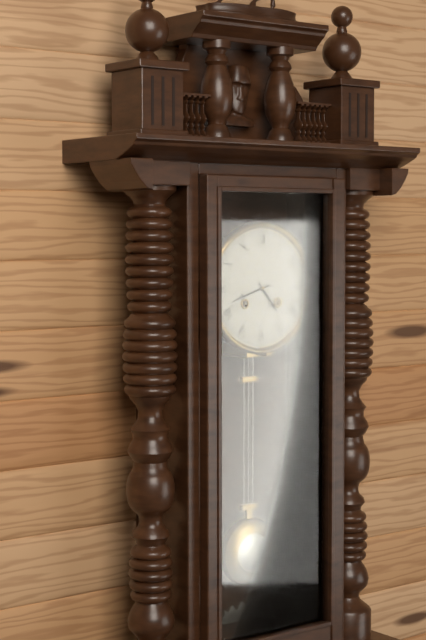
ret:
4:42
